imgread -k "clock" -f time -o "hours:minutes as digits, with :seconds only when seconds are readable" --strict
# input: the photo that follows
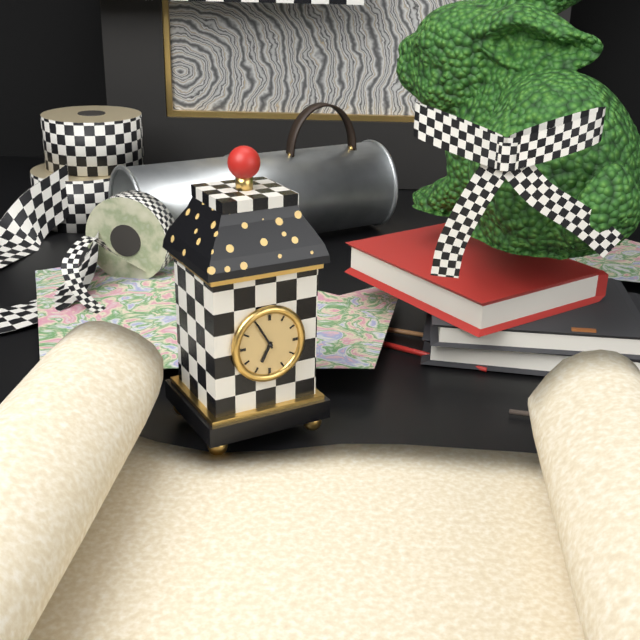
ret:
6:55
